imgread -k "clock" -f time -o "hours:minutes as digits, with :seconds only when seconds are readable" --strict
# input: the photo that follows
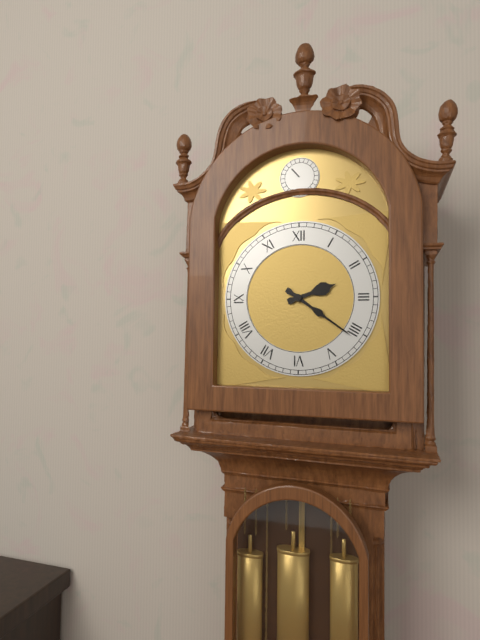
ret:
2:21
